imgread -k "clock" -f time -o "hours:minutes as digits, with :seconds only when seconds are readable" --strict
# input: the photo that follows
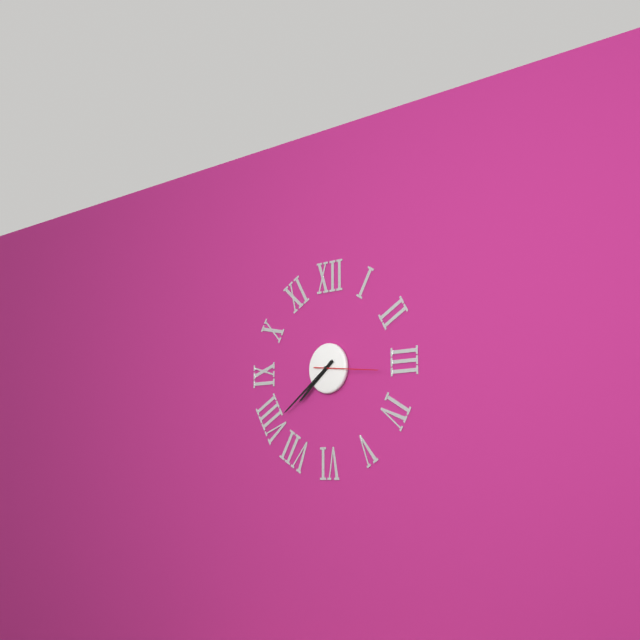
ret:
7:39:16
